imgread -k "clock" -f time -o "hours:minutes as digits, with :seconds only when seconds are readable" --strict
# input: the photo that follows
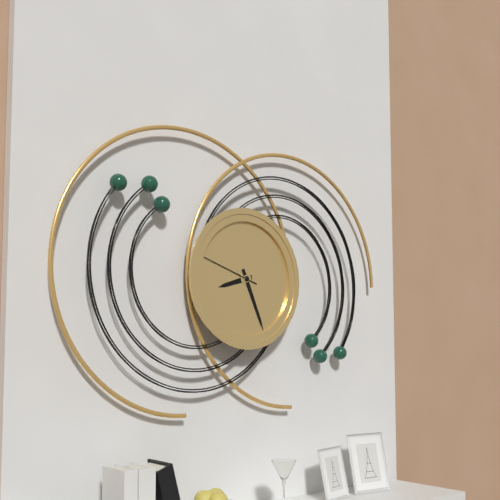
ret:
8:26:48
